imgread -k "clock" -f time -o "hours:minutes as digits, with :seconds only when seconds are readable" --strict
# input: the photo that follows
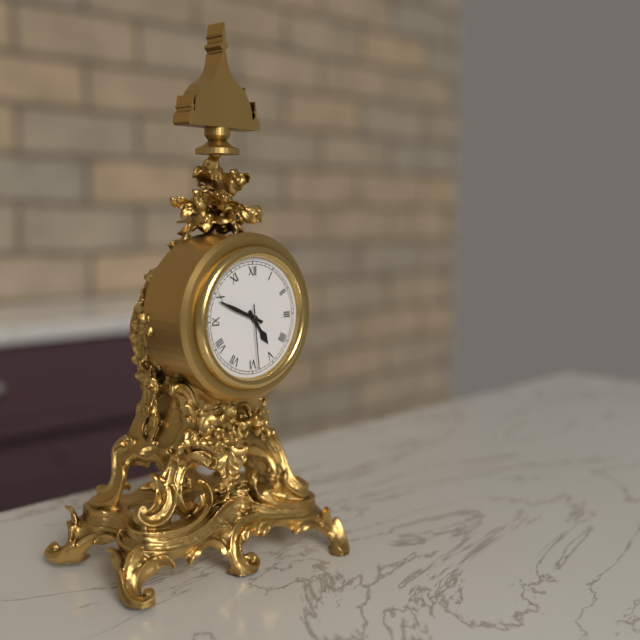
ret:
4:49:29
